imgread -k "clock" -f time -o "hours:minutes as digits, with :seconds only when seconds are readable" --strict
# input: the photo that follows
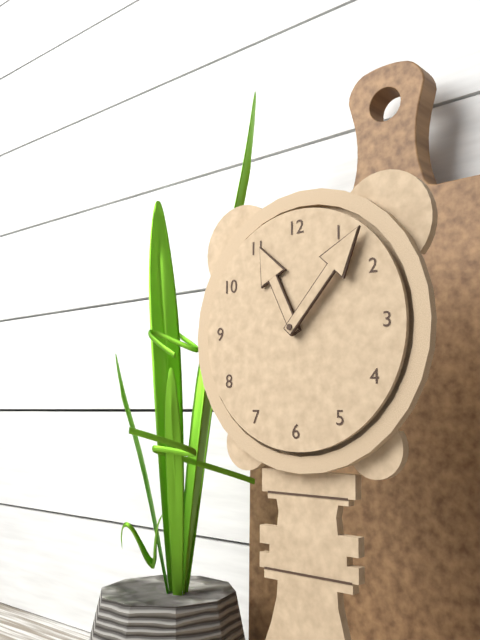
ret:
11:07
